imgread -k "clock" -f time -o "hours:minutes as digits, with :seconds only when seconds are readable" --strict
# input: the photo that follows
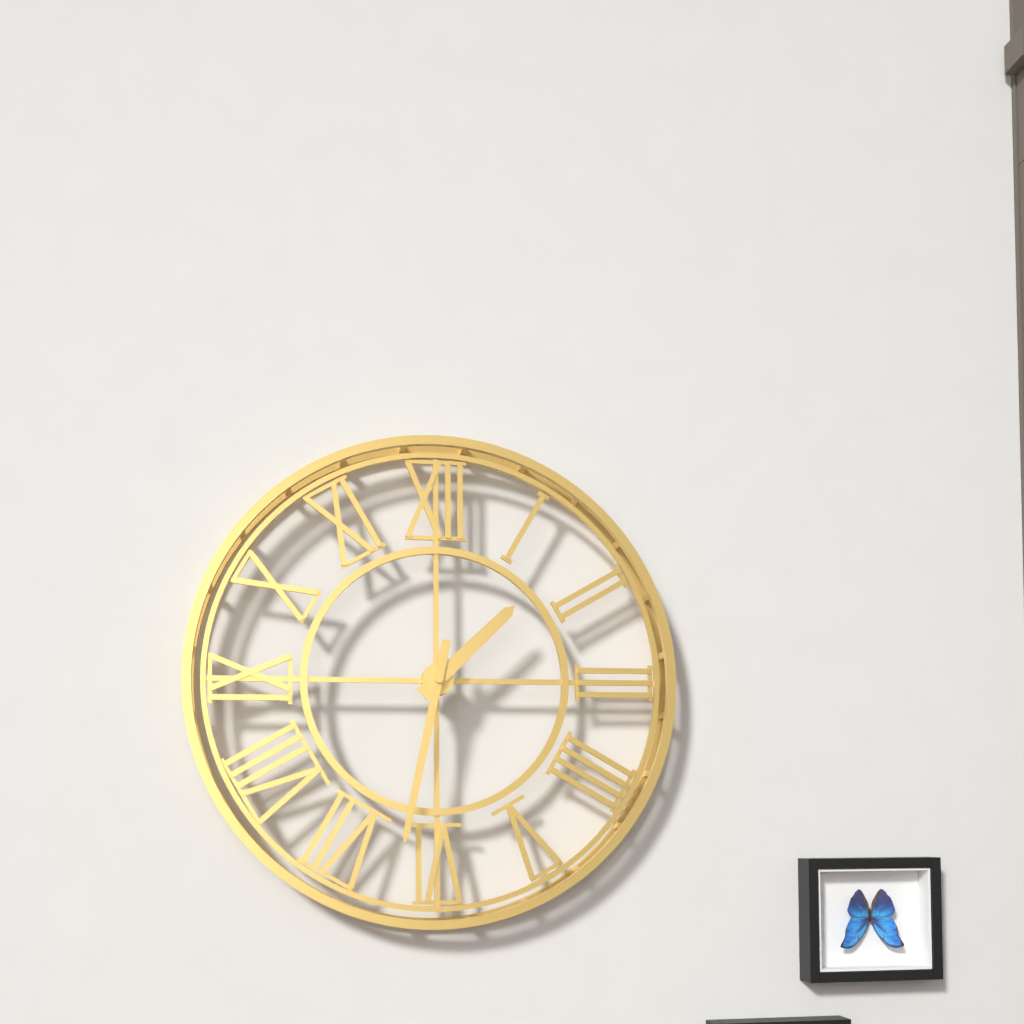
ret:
1:32
